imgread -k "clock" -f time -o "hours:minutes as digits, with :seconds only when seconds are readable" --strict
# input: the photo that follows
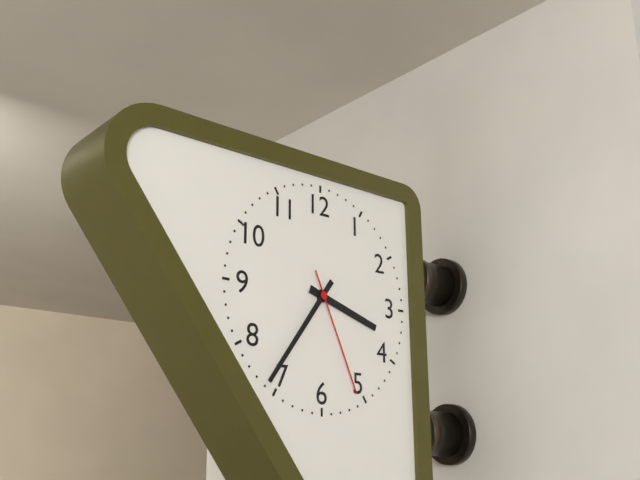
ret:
3:36:26
